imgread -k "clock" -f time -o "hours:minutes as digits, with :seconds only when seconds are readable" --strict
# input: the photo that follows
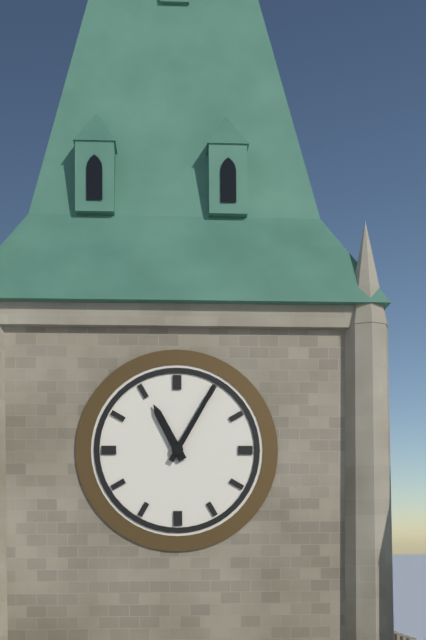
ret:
11:05
